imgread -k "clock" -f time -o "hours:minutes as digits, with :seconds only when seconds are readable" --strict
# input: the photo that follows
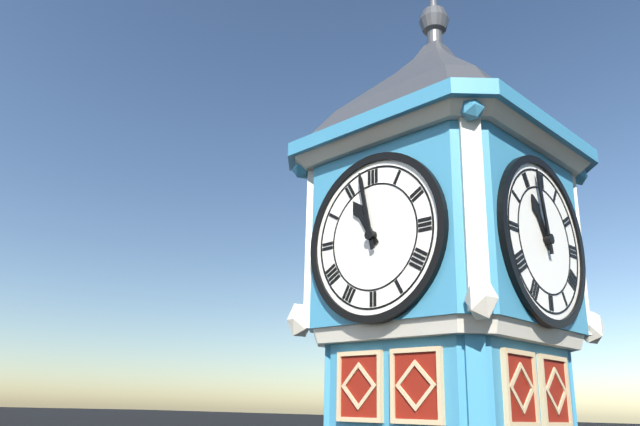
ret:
10:58
